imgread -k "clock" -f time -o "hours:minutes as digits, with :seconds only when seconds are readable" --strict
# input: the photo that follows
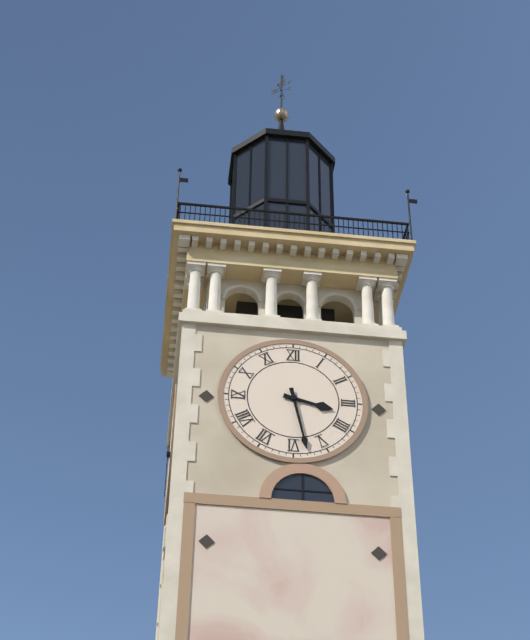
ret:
3:28
